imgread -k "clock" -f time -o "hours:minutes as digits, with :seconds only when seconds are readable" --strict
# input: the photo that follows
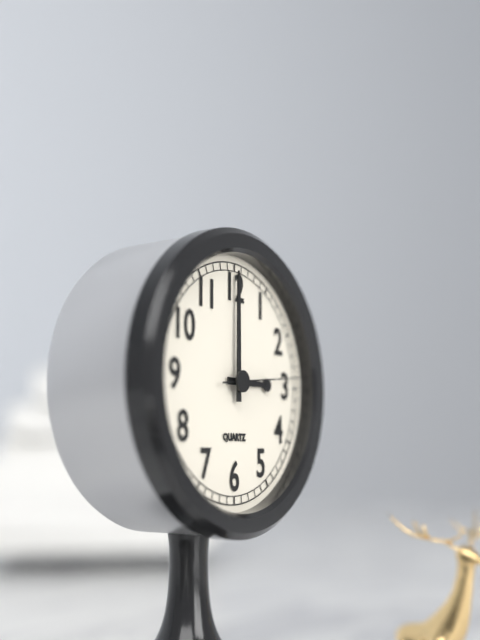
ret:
3:00:14
